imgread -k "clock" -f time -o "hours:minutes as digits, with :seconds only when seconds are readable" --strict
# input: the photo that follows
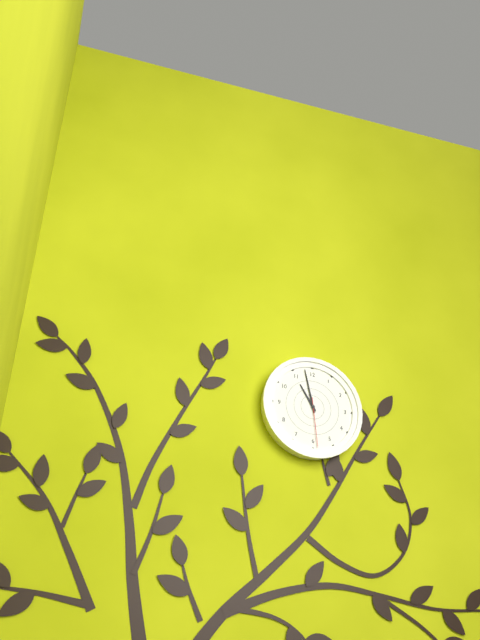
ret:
10:58:29
